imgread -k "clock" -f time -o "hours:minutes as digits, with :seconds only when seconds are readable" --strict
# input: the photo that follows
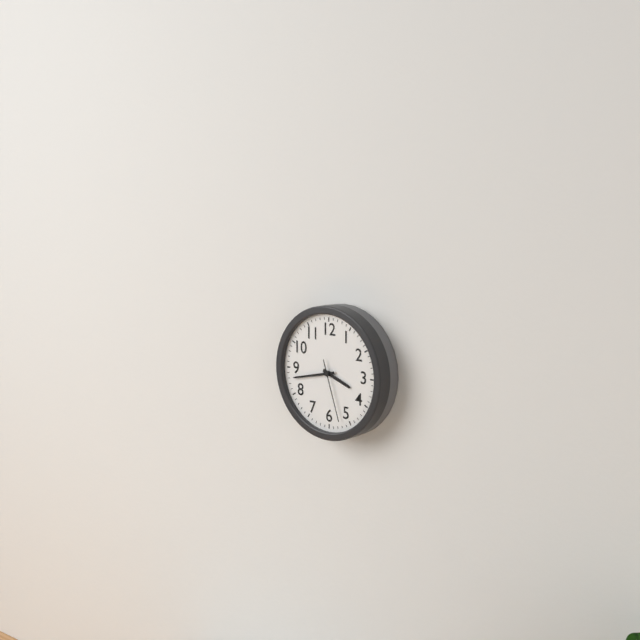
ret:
3:43:27
